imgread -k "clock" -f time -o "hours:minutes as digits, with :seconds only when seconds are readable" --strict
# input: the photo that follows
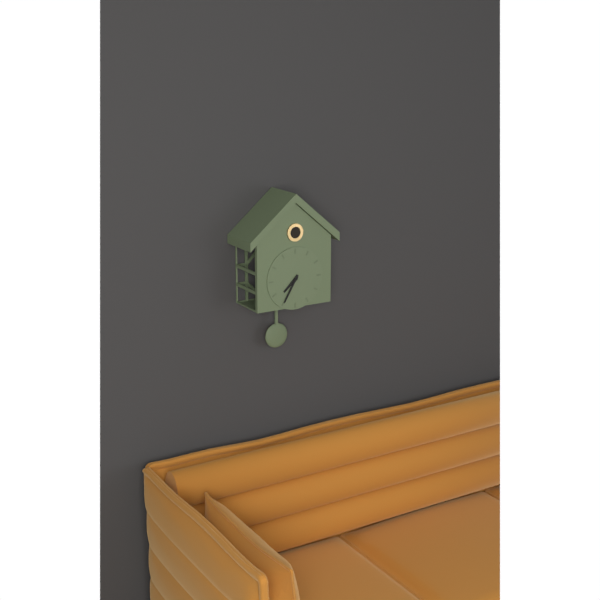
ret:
7:35
